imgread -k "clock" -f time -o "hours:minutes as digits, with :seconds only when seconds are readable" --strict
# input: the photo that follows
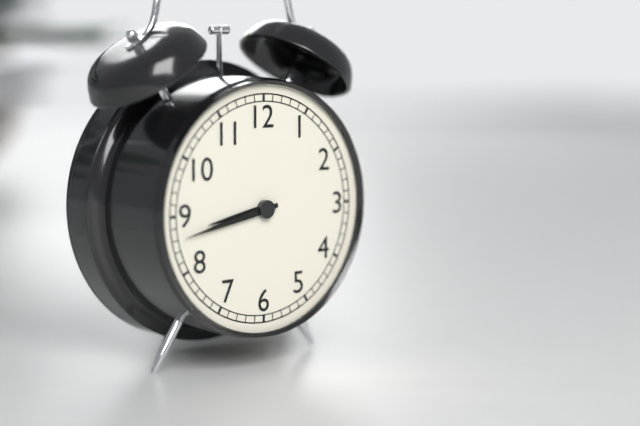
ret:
8:43
